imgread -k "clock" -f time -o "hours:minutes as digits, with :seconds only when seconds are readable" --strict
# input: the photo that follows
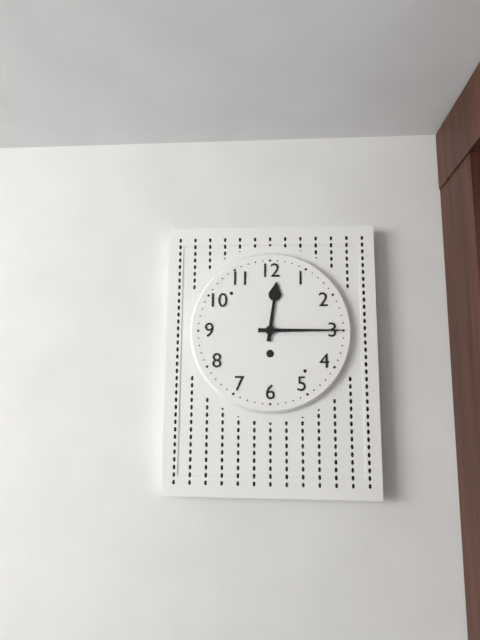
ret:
12:15
